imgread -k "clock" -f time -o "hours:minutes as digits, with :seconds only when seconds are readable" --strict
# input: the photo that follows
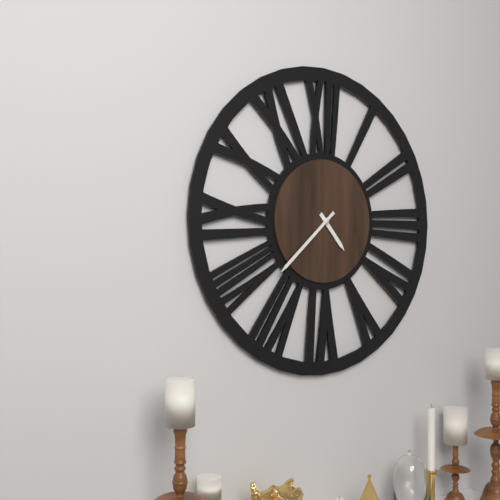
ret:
4:38
